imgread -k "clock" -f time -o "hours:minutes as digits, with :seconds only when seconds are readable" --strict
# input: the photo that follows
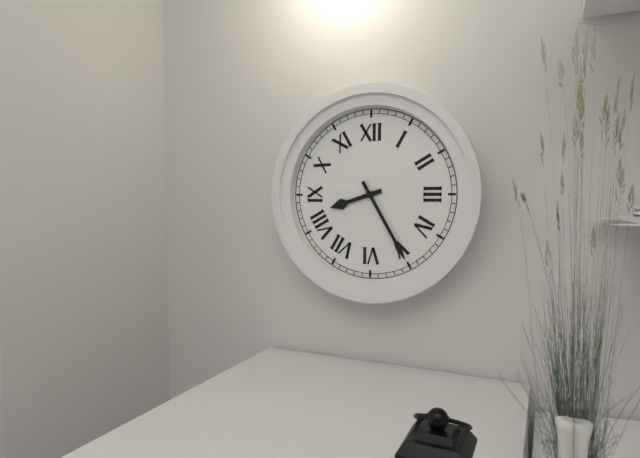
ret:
8:25
